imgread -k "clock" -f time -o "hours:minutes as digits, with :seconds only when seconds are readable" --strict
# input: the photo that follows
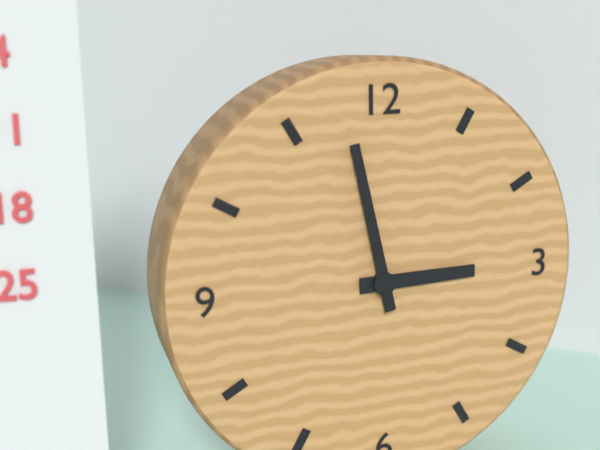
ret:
2:58
